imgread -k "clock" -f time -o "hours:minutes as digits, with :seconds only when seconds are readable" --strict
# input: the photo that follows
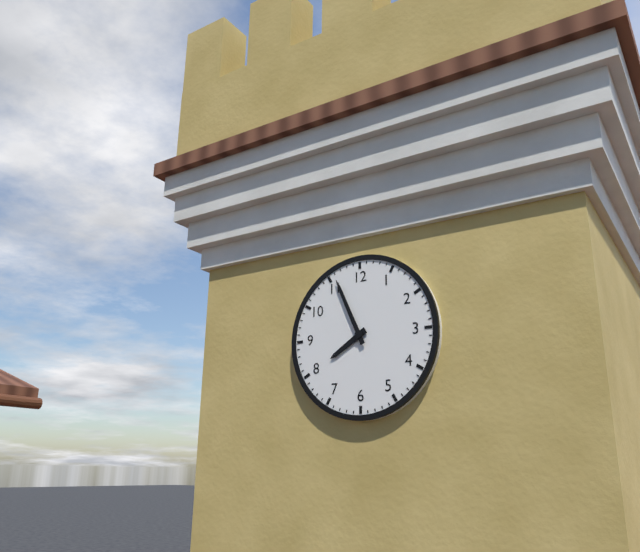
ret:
7:56
